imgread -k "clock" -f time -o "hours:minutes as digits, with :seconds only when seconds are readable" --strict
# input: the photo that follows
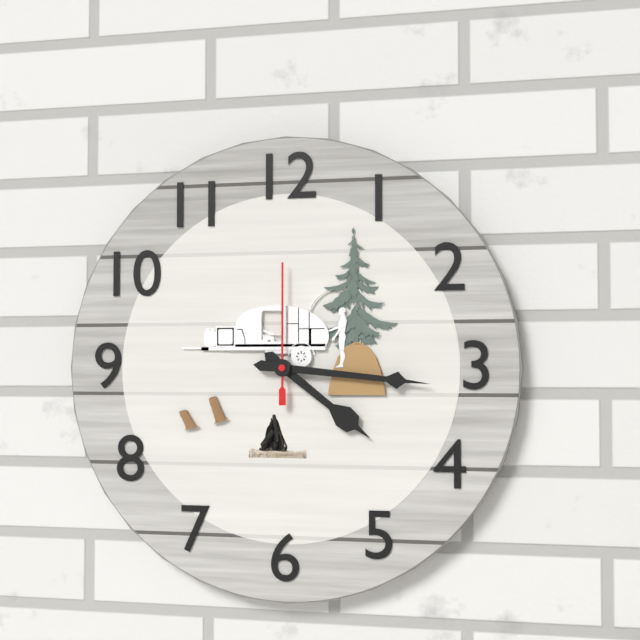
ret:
4:16:00
